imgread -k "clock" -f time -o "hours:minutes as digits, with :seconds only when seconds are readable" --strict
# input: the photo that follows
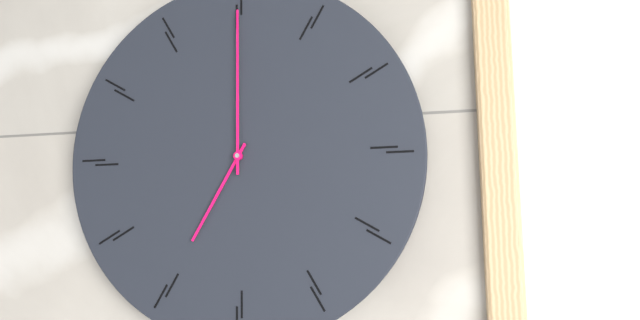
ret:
7:00
